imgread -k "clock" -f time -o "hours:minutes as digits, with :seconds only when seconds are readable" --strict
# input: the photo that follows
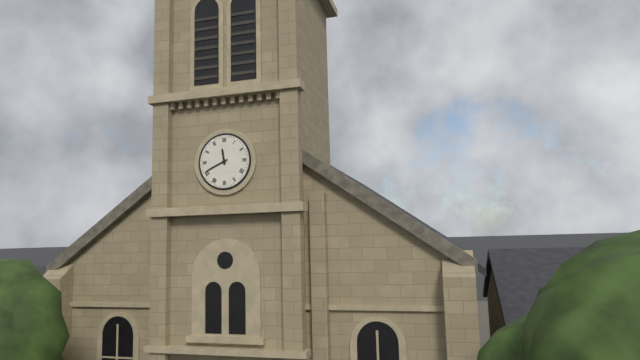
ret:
11:41
